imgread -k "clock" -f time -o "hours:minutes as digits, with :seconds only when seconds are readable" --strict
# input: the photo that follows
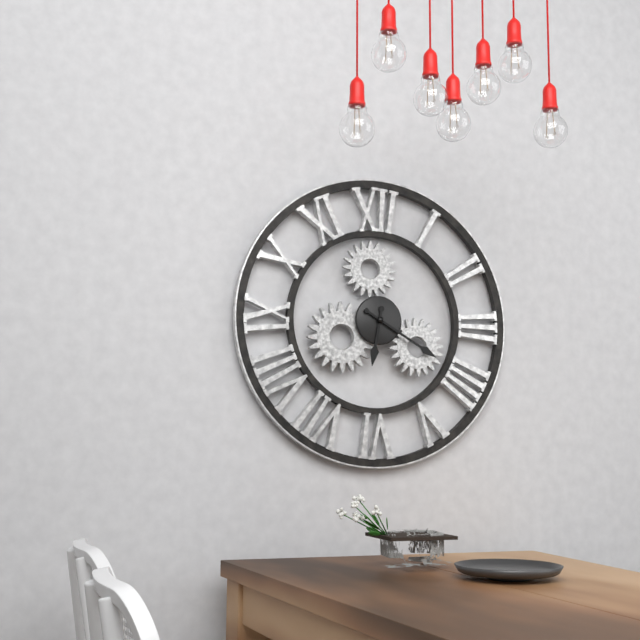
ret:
6:20
